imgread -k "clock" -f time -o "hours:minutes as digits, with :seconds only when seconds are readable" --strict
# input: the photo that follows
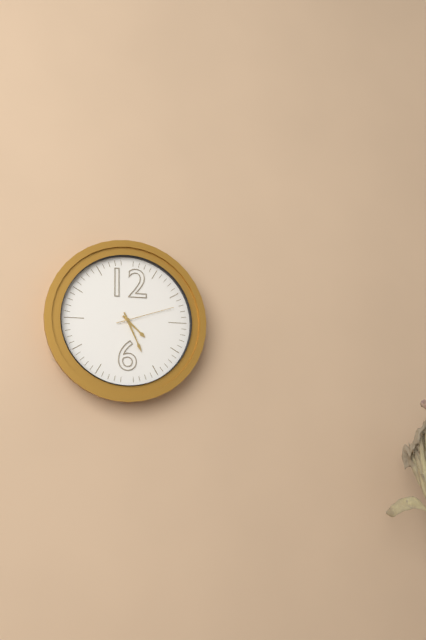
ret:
4:26:12
